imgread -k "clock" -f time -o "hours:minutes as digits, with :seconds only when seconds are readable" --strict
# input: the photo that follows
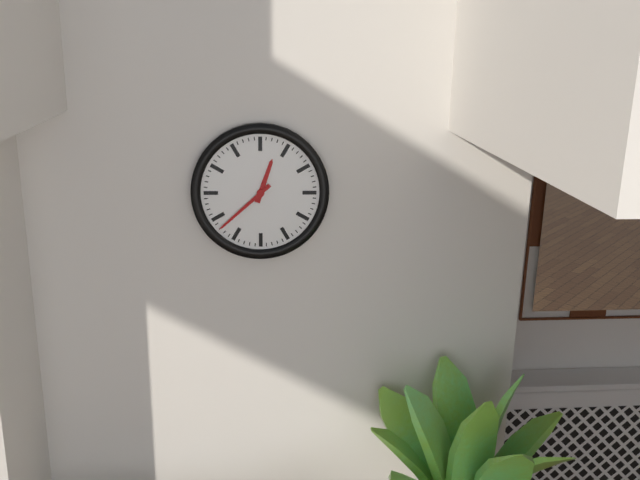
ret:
12:38
